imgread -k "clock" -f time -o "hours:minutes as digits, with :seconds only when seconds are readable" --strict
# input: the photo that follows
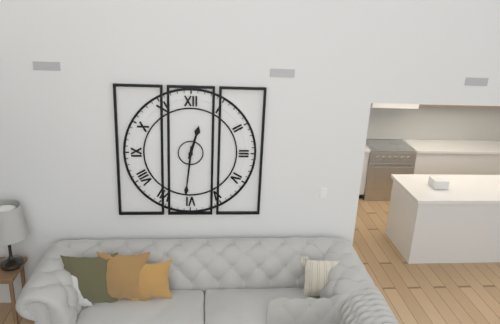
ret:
12:31
